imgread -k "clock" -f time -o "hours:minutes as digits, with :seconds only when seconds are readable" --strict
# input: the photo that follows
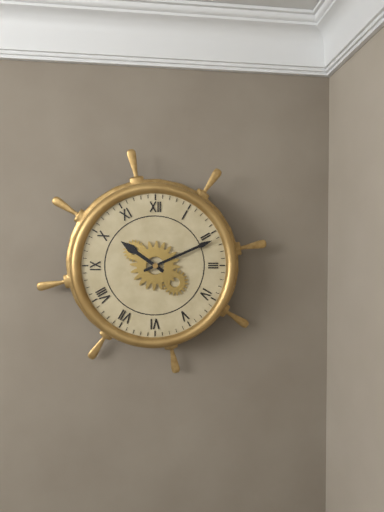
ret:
10:11
